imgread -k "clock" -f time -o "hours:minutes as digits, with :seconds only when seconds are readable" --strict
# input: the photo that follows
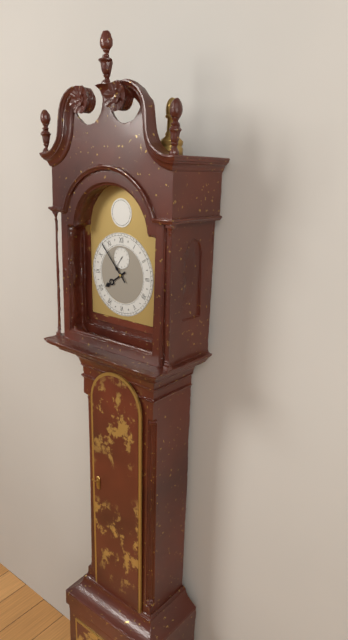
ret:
7:53
